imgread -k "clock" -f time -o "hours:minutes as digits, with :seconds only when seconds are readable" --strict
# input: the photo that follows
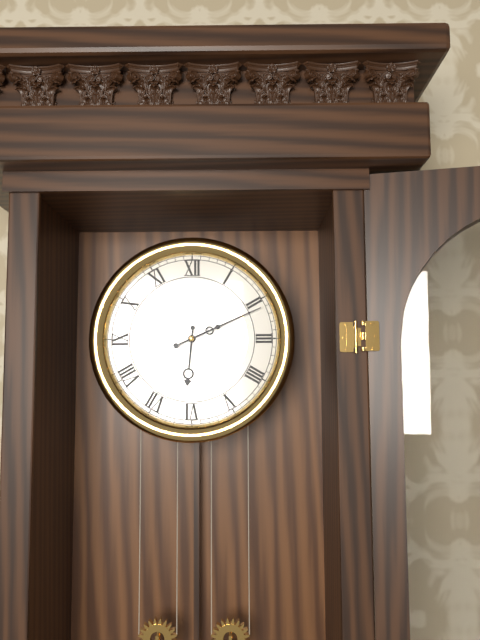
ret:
6:11
